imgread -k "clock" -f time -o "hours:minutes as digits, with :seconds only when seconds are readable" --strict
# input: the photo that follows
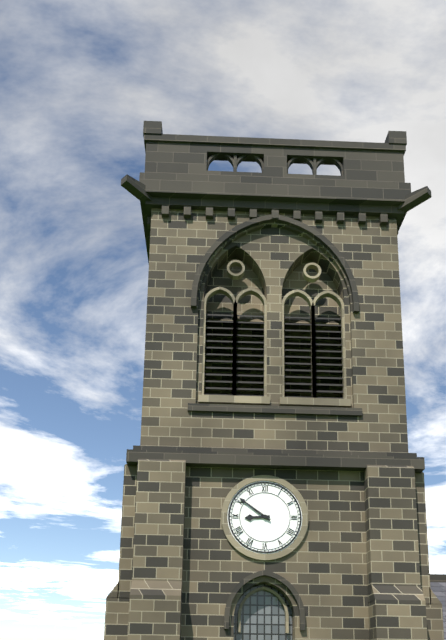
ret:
8:51
